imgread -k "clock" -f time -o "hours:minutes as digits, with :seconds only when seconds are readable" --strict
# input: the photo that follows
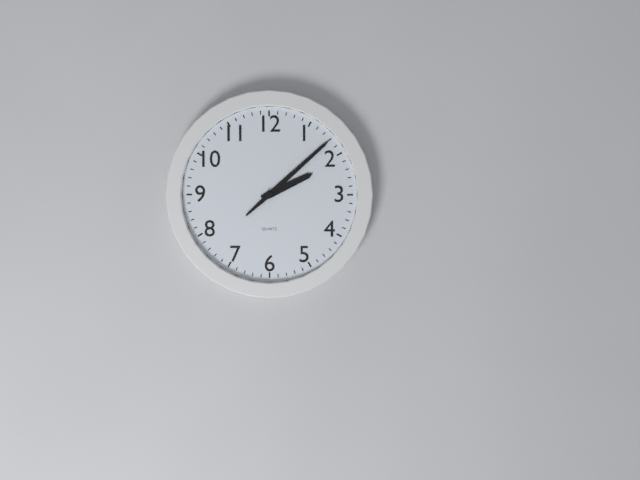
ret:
2:08
